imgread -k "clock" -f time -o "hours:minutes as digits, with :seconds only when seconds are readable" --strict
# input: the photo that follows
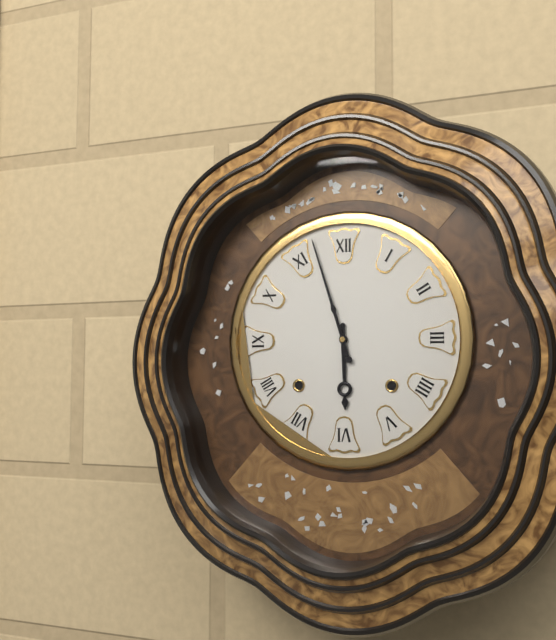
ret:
5:57
